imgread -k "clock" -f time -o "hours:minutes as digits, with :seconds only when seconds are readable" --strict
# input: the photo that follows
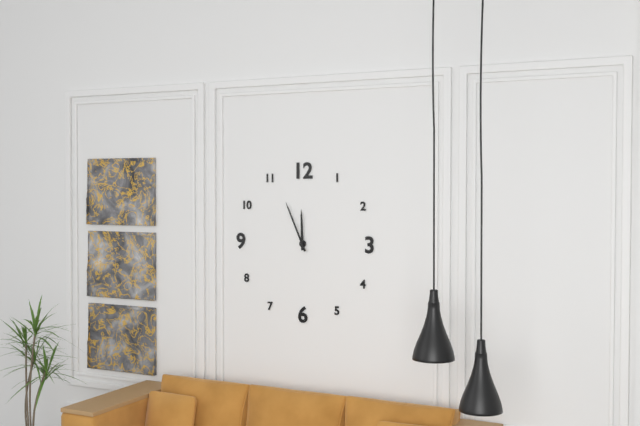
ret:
11:56
